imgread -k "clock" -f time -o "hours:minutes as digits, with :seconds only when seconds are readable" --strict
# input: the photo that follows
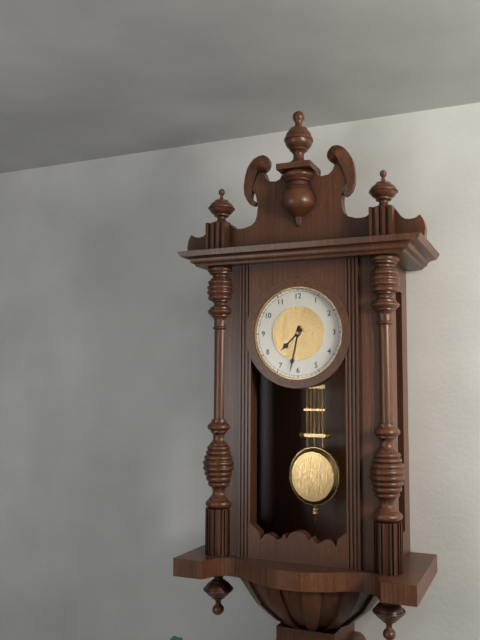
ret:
7:32
